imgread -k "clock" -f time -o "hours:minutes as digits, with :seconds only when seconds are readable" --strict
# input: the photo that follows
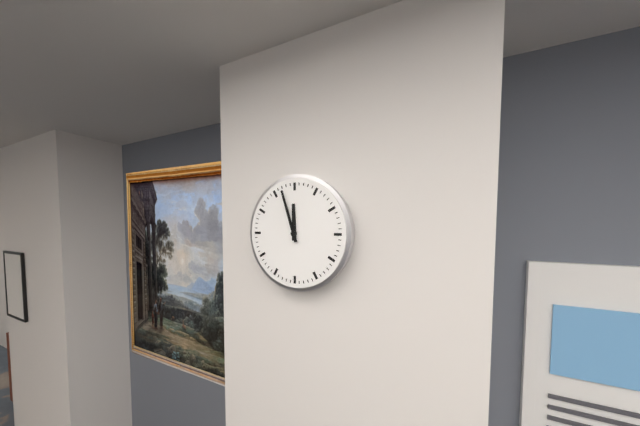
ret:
11:57
